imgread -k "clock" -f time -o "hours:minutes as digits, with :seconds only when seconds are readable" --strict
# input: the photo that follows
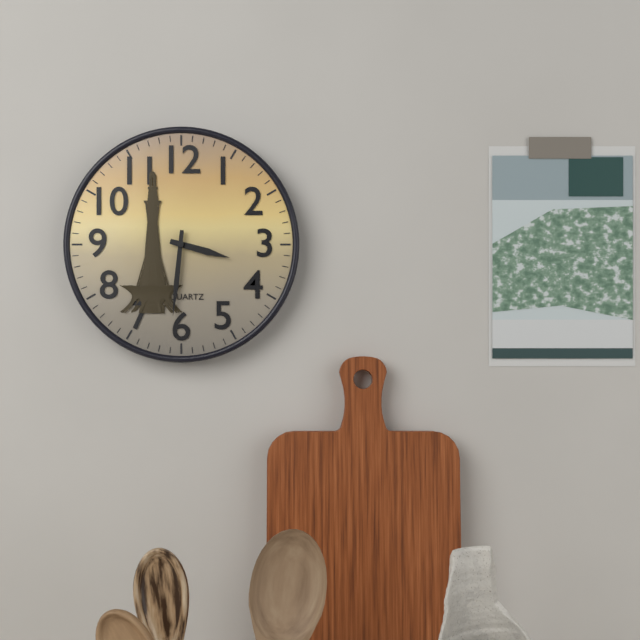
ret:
3:31
